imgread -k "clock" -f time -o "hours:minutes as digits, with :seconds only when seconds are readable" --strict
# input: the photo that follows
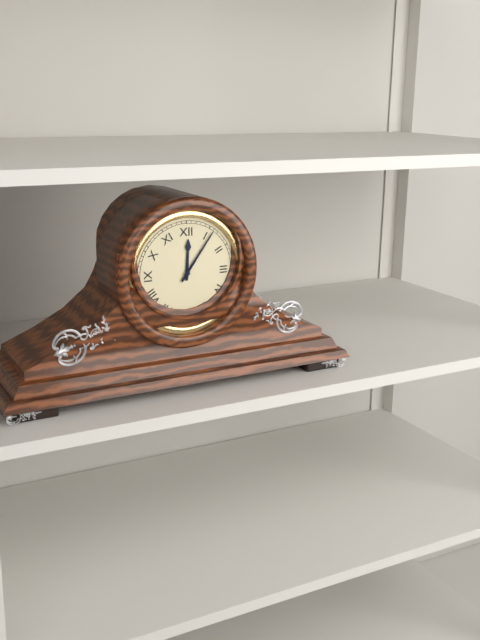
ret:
12:06
